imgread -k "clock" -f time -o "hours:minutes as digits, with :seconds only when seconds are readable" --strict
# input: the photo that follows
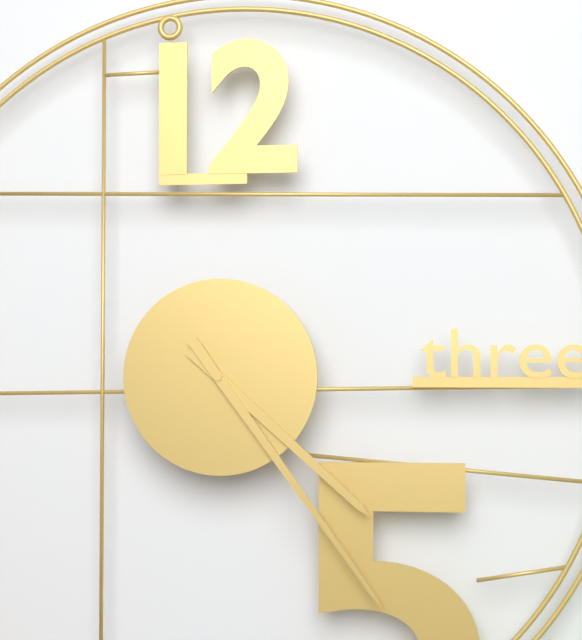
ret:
4:24
